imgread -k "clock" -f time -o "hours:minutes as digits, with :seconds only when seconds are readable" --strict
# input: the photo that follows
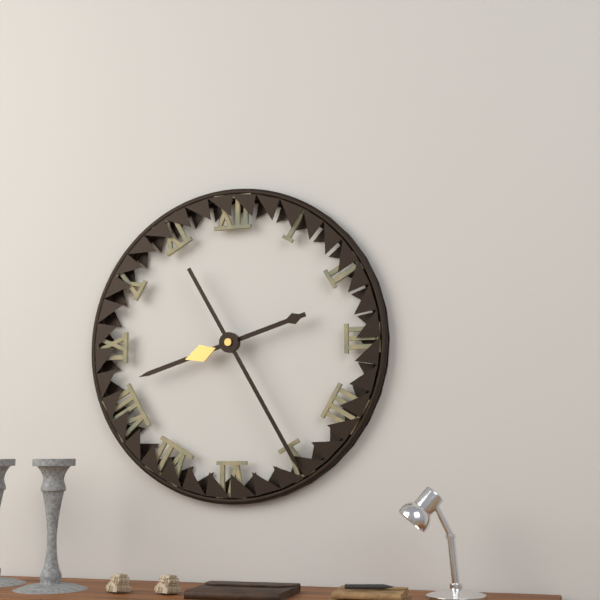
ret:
8:25
